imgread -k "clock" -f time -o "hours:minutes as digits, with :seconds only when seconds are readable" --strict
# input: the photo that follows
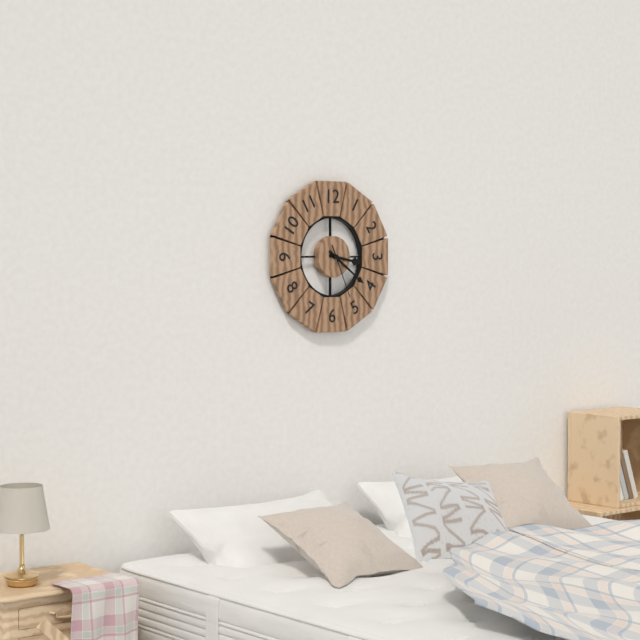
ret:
3:21:26
